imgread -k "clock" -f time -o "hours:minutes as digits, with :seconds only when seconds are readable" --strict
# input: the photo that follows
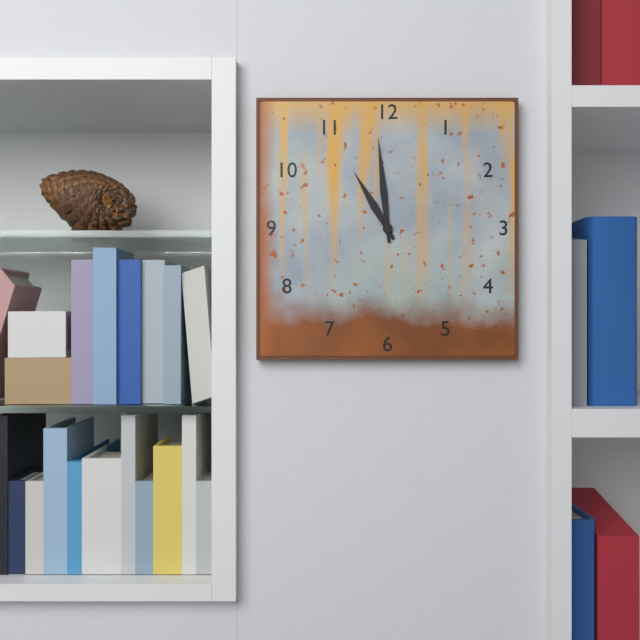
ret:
10:59
